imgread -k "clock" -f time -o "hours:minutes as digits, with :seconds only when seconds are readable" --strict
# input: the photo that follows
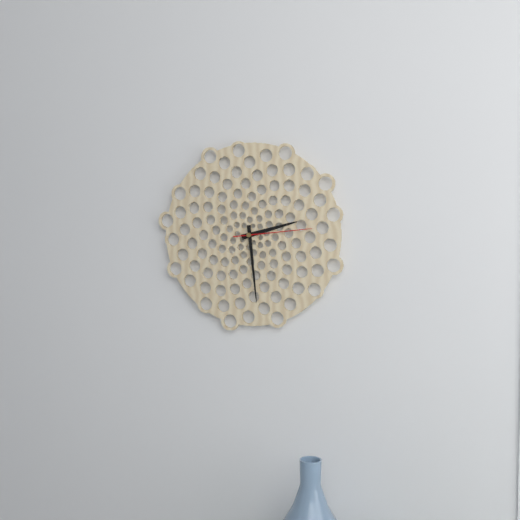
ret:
2:29:14
